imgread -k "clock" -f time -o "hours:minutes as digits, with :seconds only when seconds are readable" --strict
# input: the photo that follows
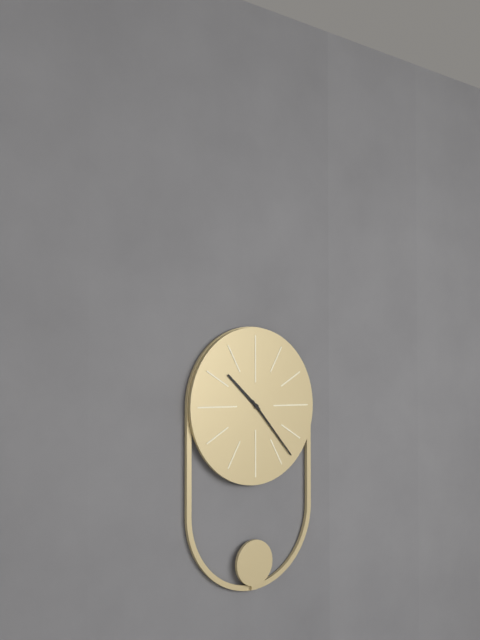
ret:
10:23
